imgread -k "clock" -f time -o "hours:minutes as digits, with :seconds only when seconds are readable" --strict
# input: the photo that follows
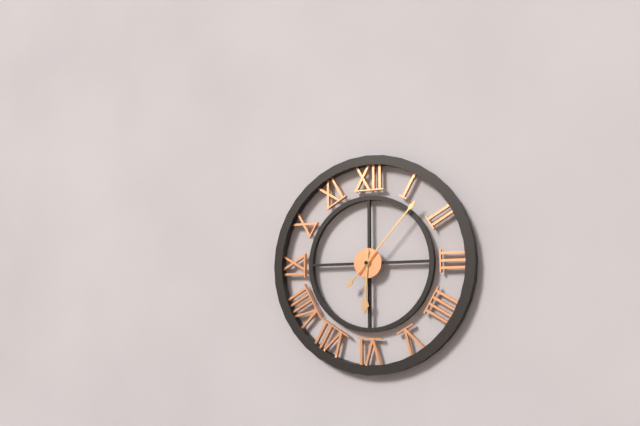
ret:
6:07
